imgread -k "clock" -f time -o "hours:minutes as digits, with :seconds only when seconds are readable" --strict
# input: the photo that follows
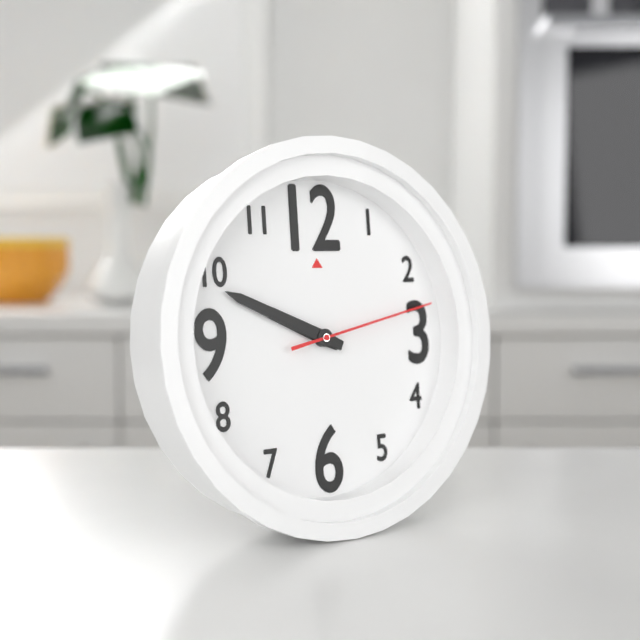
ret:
9:49:13
